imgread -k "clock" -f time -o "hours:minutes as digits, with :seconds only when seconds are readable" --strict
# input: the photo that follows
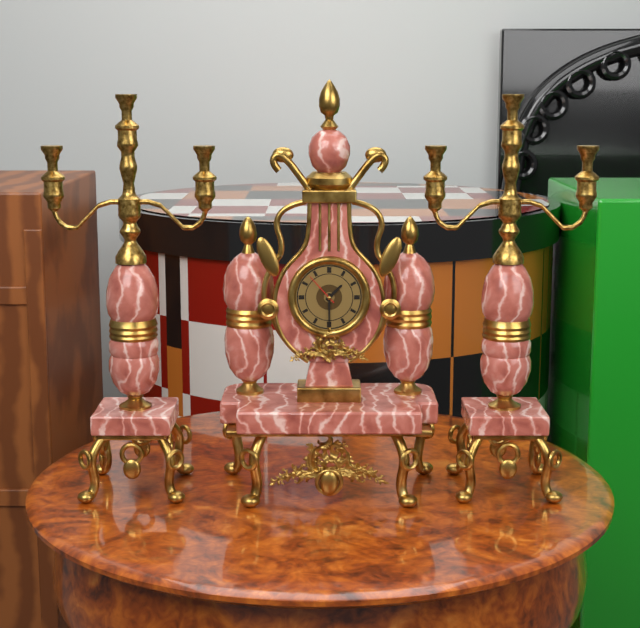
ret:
1:30
